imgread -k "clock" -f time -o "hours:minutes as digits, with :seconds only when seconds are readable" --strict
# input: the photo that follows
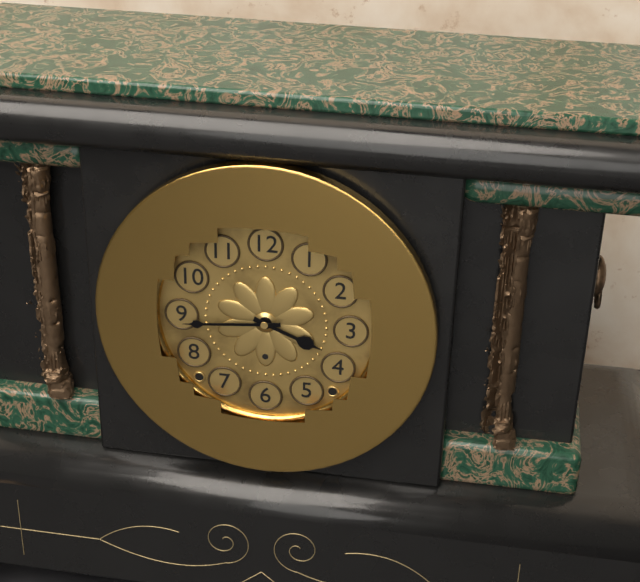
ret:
3:44
